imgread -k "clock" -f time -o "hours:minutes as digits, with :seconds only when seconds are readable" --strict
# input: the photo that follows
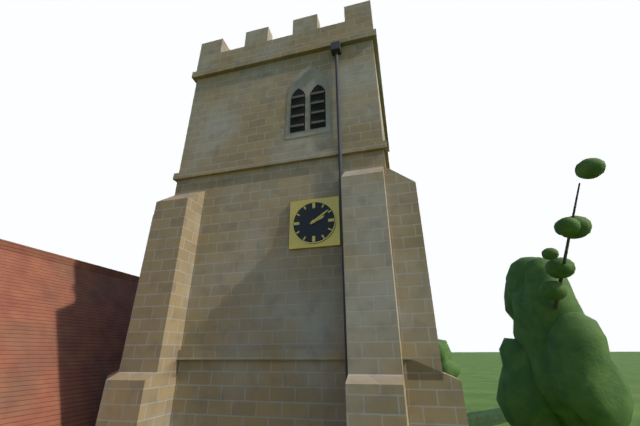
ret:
2:09
